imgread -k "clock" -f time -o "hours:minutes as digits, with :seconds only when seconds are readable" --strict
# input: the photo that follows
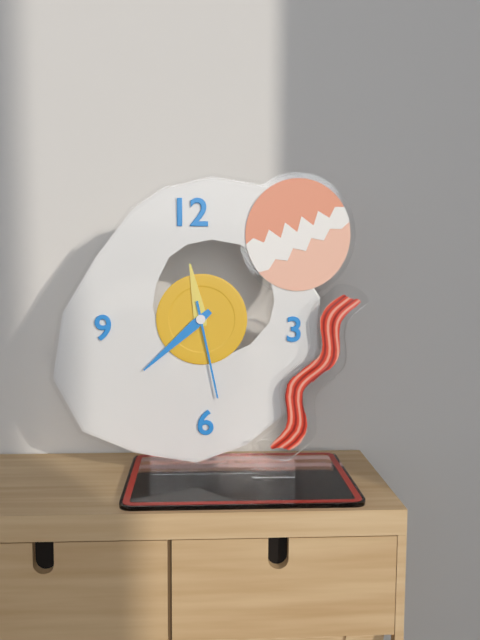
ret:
11:38:28
